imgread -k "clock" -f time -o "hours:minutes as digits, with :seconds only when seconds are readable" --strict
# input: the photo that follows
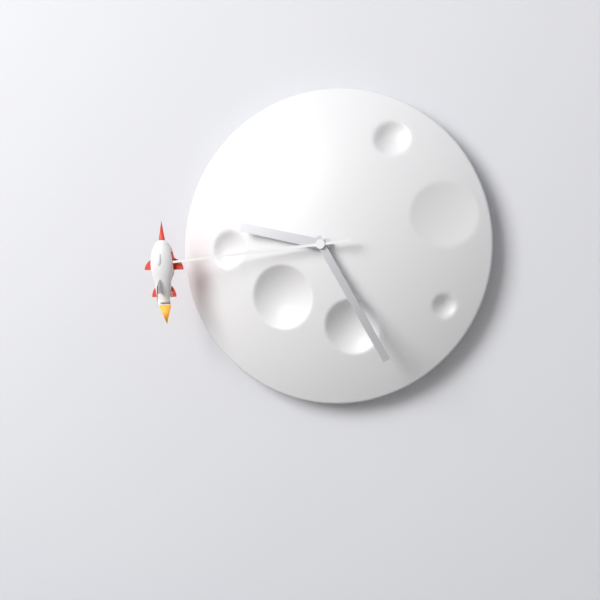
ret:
9:25:44
